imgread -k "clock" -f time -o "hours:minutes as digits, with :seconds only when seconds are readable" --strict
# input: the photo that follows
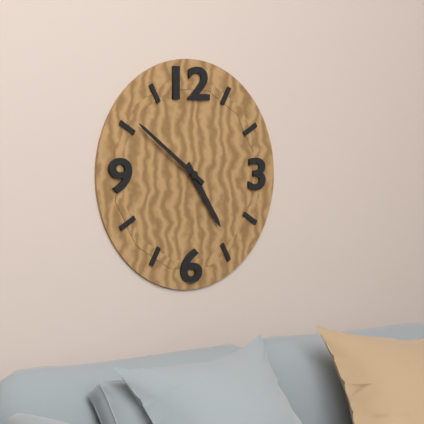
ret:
4:51
